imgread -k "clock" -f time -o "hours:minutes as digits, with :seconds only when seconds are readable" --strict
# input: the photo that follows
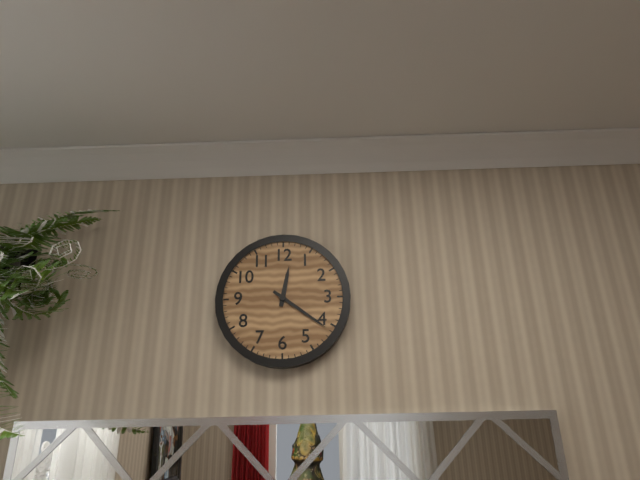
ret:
12:21
